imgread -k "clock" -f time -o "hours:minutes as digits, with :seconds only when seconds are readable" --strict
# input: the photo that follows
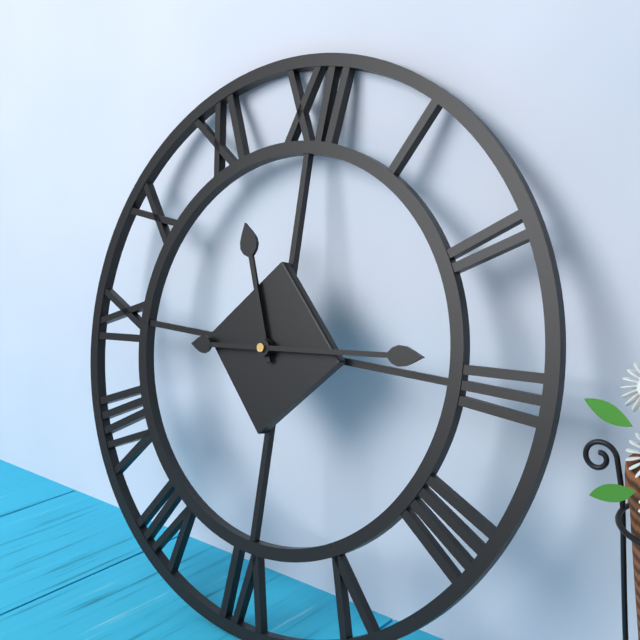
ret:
11:14
